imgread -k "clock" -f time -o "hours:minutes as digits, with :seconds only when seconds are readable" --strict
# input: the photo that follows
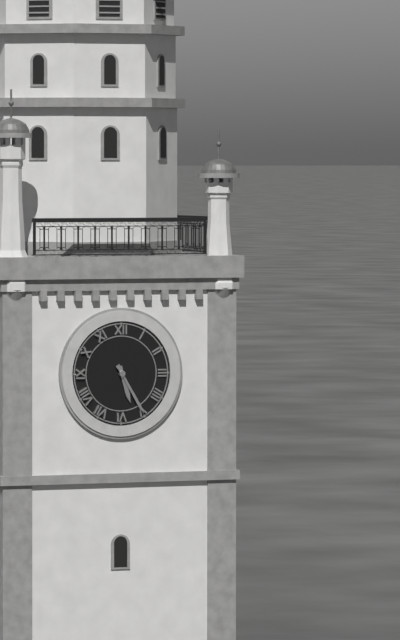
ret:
5:25
